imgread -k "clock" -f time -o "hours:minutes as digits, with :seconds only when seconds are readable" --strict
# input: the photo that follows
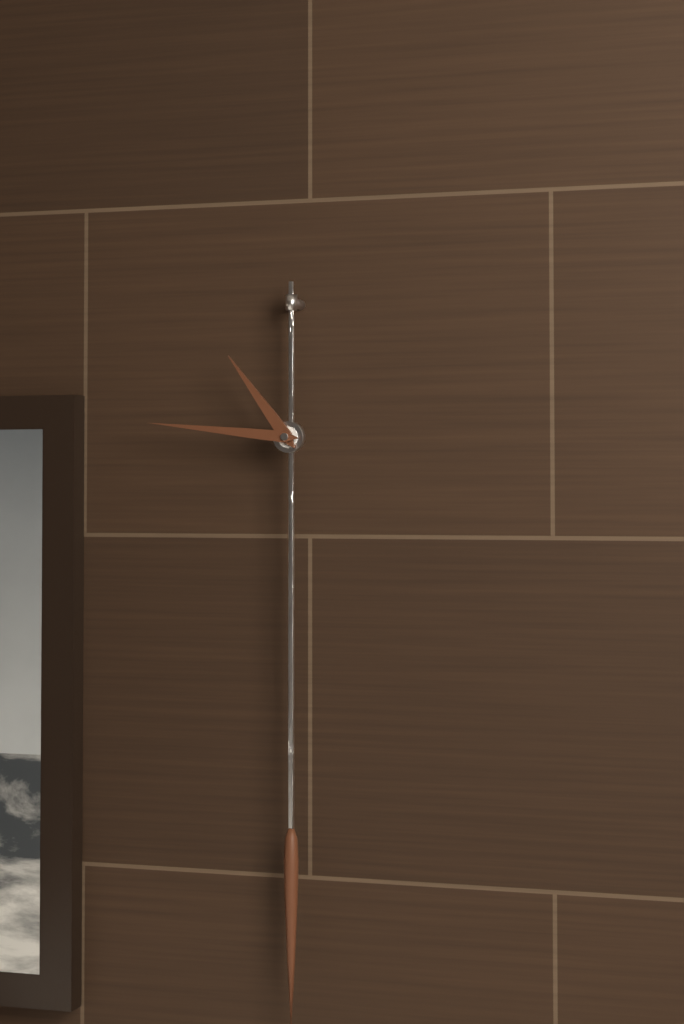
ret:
10:46
